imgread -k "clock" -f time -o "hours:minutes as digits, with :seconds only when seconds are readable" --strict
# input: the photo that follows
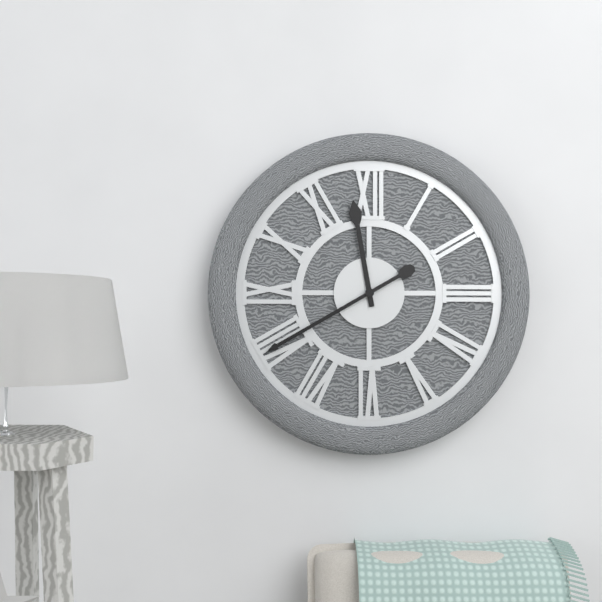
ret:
11:40
